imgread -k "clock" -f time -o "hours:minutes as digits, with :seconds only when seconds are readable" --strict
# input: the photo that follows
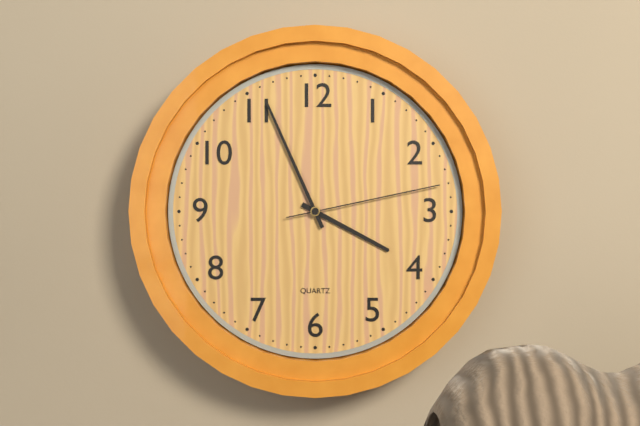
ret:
3:56:13
